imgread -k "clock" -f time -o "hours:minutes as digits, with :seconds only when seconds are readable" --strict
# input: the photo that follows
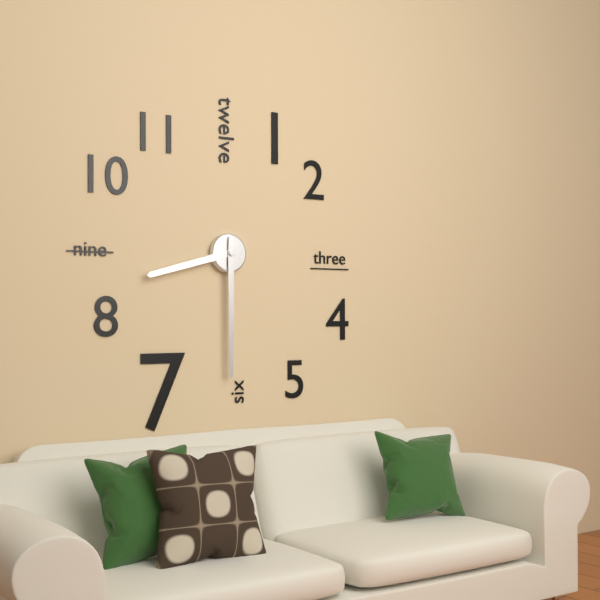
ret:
8:30
